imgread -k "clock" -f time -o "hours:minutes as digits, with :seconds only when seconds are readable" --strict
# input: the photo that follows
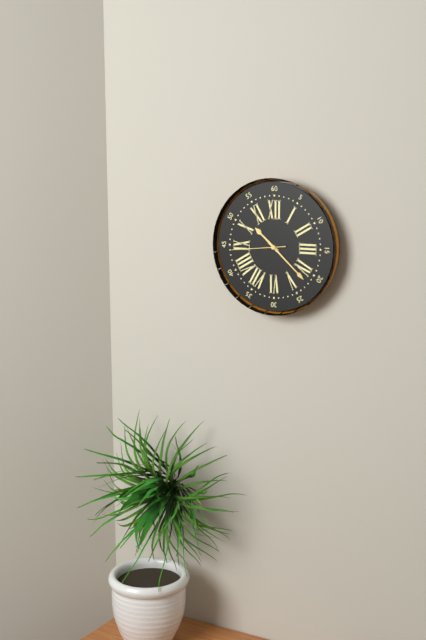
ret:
10:22:44
